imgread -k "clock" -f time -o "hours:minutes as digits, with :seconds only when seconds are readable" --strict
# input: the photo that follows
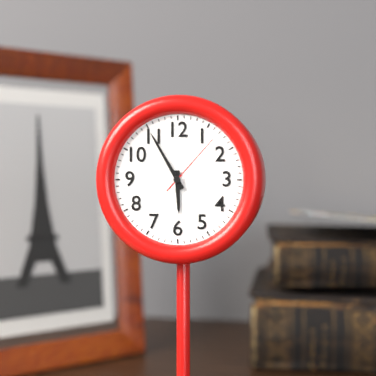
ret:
5:55:07
